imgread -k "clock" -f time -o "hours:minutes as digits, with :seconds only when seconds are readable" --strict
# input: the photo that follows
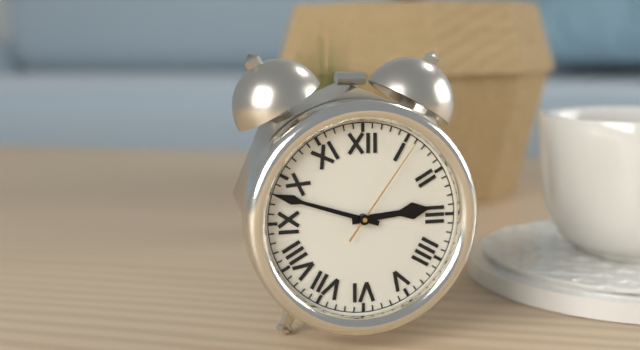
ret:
2:48:06
